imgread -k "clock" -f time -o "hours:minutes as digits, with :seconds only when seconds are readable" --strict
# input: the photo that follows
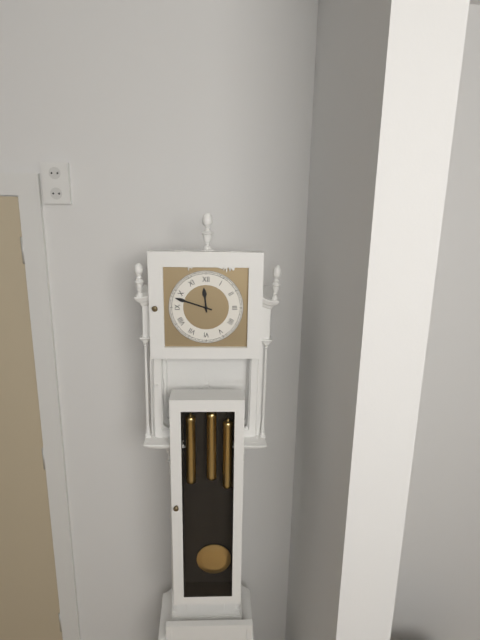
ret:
11:48
